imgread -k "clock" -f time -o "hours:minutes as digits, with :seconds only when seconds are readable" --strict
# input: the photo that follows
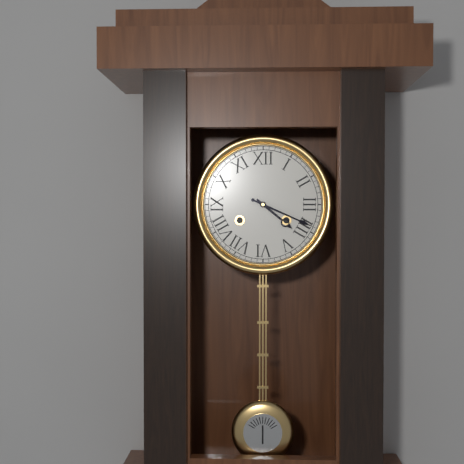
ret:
4:19
